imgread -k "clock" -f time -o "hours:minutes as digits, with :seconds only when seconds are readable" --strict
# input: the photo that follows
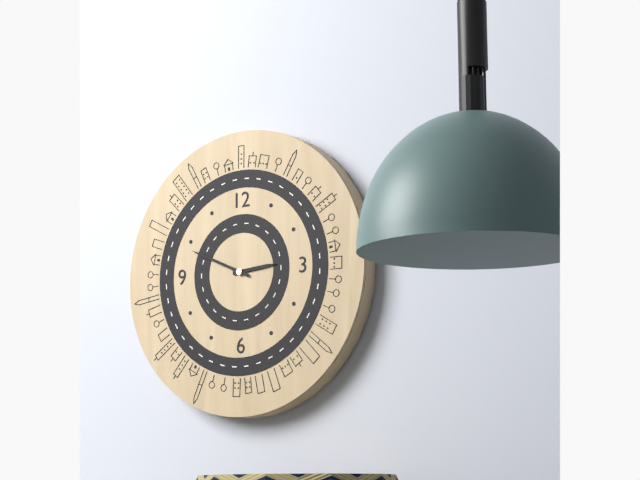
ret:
2:49
